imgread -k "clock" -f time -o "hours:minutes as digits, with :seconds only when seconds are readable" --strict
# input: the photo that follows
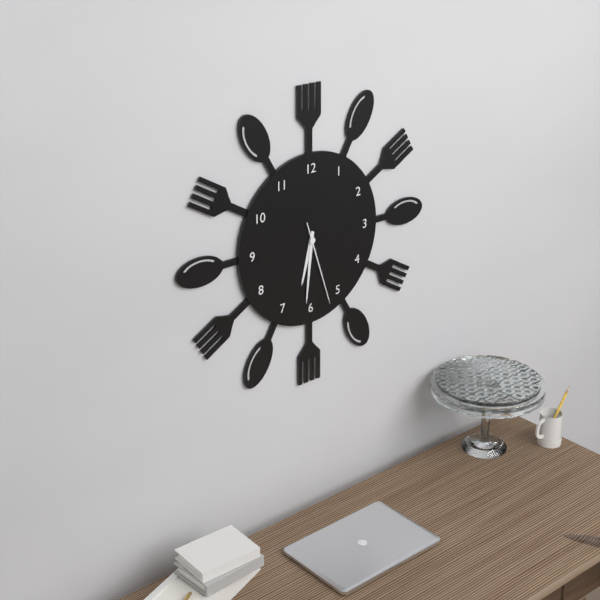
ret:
6:31:27
